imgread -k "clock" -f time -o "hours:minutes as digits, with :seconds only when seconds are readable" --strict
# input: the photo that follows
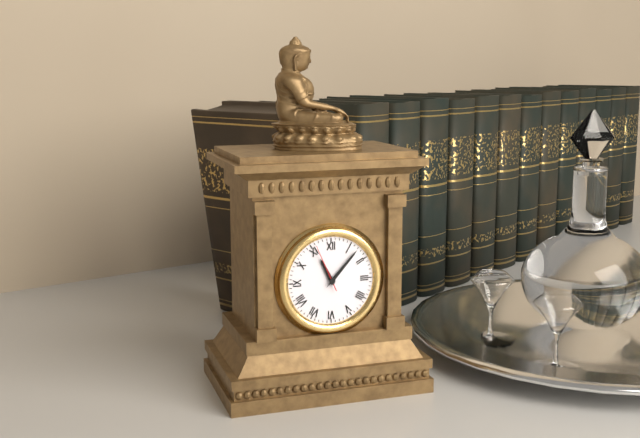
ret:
11:07
